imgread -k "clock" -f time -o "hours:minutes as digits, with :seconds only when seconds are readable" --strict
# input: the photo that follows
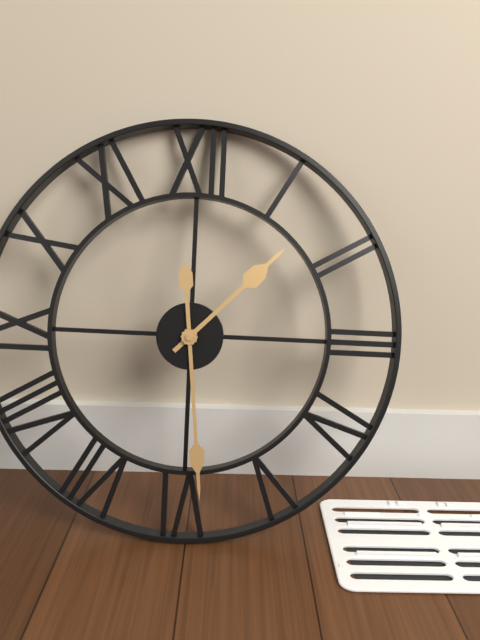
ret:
1:29
